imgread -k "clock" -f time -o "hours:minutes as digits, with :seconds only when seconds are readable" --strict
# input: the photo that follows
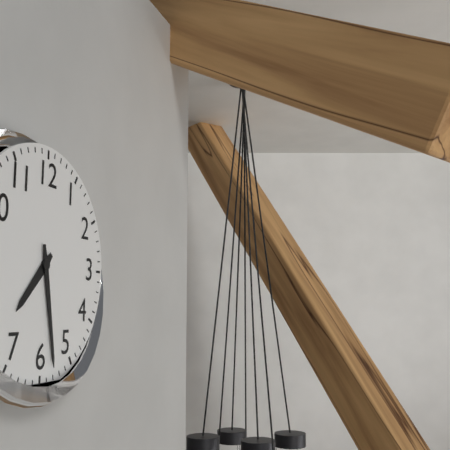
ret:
7:28
